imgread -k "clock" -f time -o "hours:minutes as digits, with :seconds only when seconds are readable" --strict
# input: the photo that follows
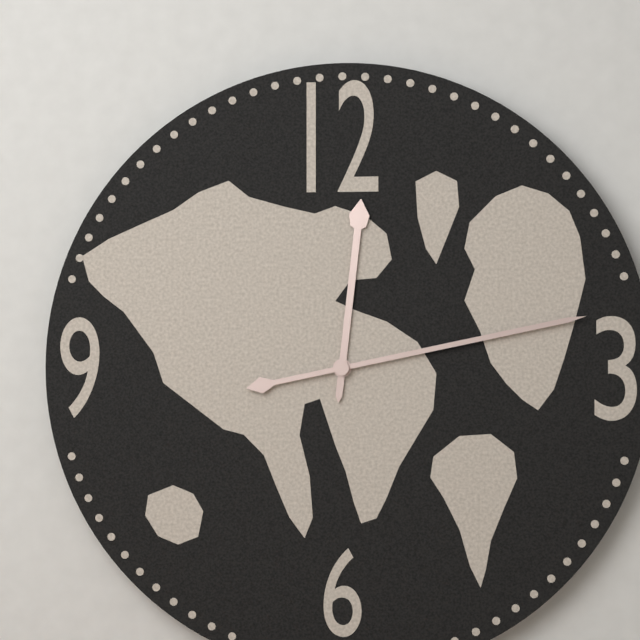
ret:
12:13
